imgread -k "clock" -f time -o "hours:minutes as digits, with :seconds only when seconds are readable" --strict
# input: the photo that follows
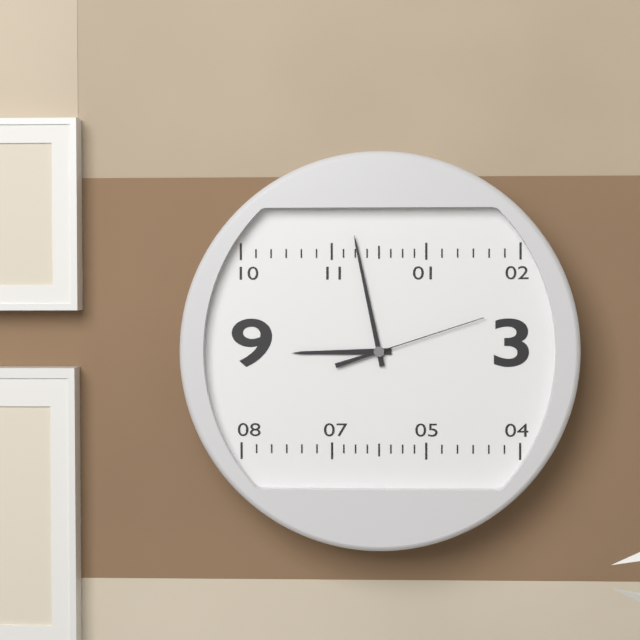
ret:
8:58:12
